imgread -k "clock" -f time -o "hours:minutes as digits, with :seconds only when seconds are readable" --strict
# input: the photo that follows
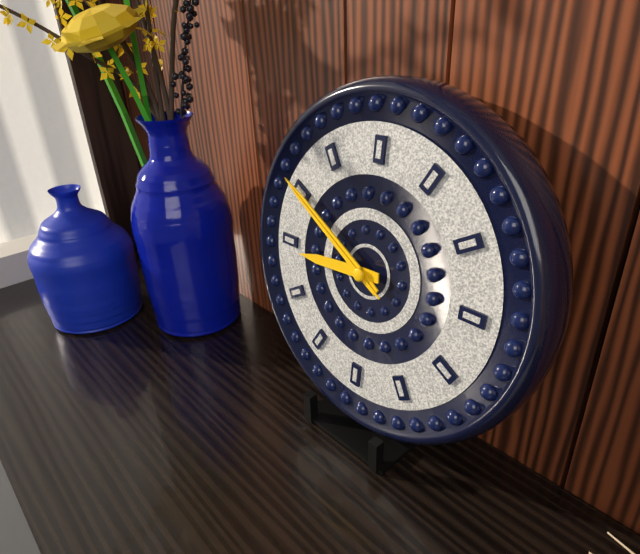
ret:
8:50:50
